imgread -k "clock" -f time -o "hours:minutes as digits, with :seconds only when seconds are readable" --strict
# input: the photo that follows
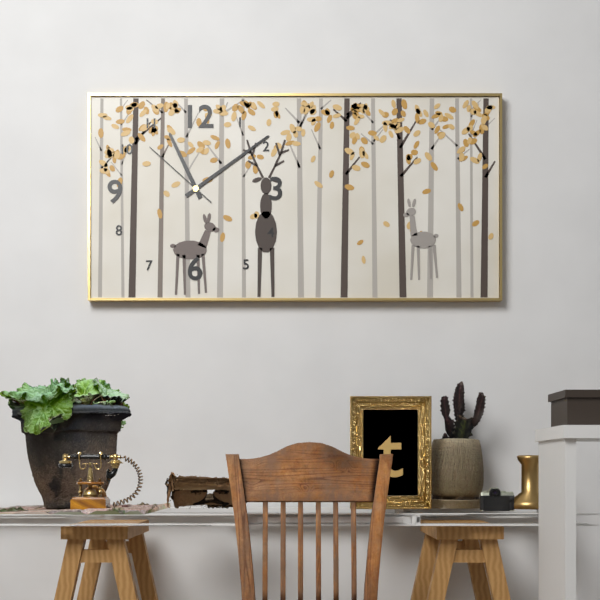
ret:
11:09:52
